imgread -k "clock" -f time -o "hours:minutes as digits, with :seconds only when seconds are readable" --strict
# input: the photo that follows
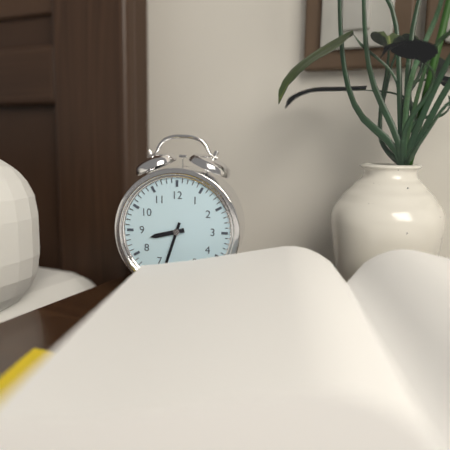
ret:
8:33
